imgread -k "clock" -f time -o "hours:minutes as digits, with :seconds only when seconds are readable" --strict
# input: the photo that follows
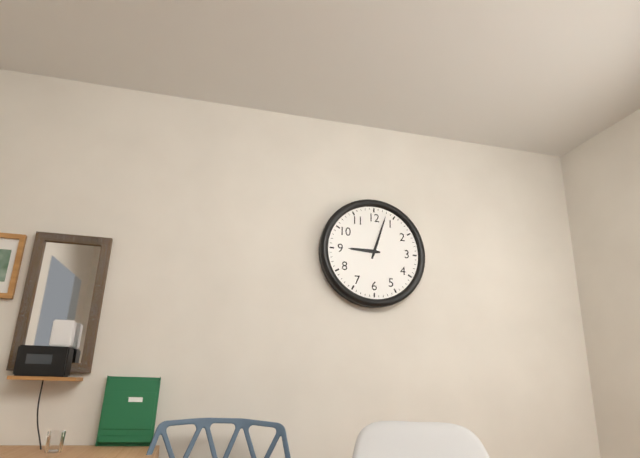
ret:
9:03
